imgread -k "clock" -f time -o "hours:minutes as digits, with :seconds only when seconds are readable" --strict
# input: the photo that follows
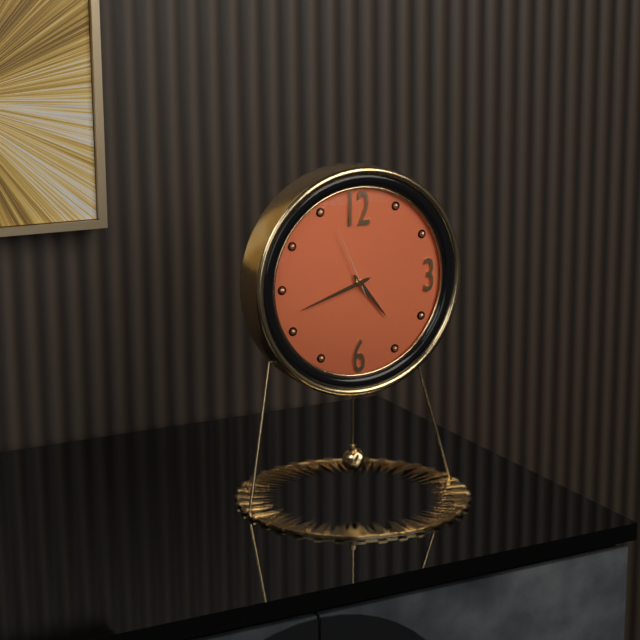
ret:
4:42:56
